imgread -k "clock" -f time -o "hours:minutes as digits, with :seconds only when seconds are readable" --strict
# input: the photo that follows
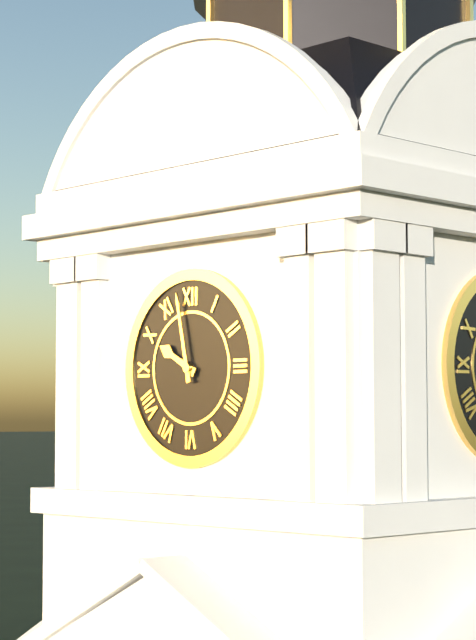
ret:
9:58
